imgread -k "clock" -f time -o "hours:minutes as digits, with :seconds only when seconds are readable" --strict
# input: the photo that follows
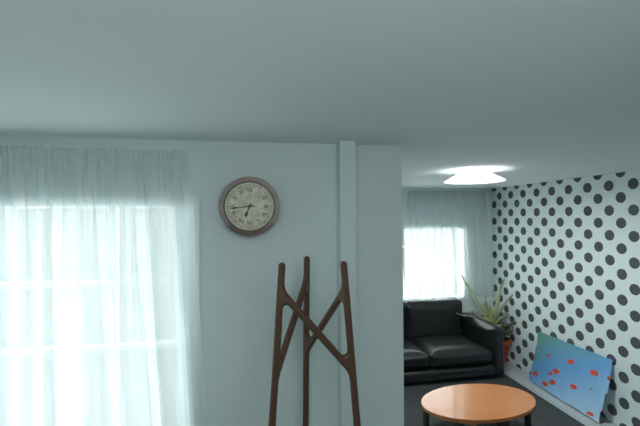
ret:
6:44
